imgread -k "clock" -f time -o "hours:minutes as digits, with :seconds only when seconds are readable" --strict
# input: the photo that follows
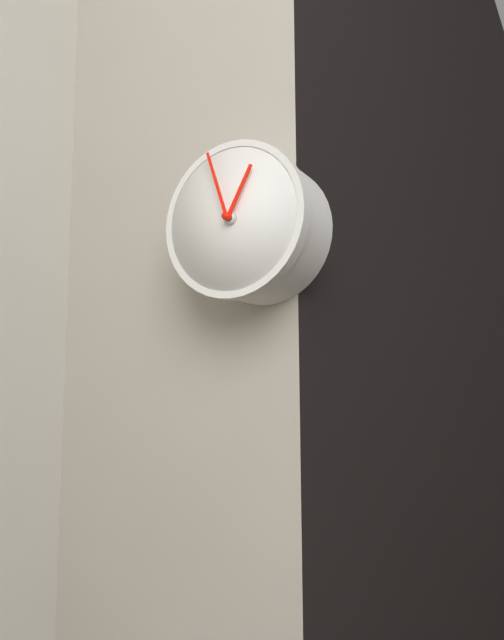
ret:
12:57
